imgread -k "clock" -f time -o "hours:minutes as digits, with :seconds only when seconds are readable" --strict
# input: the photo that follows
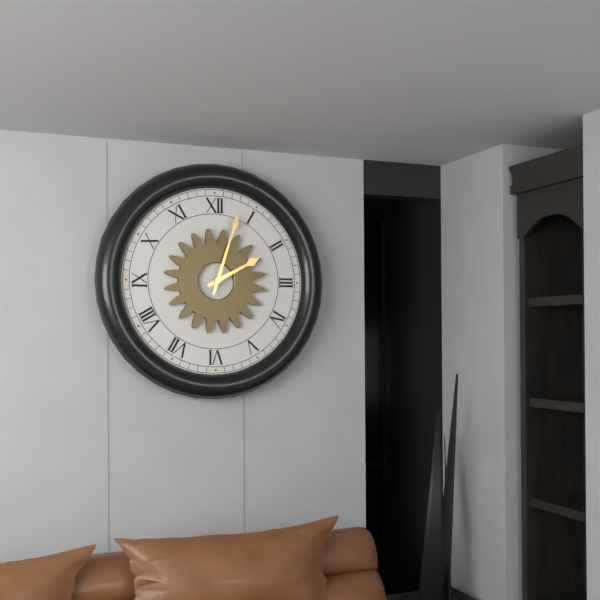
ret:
2:03
